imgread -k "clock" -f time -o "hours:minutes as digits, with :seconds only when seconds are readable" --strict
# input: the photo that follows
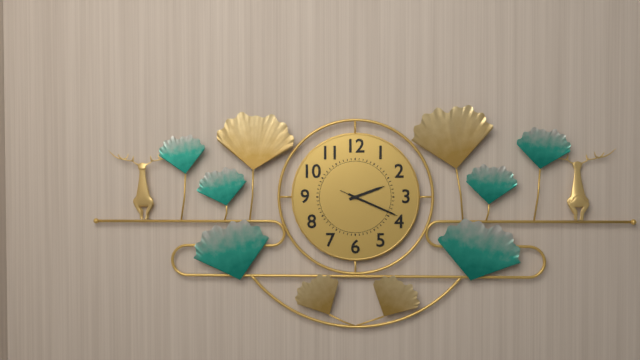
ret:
2:19:19
